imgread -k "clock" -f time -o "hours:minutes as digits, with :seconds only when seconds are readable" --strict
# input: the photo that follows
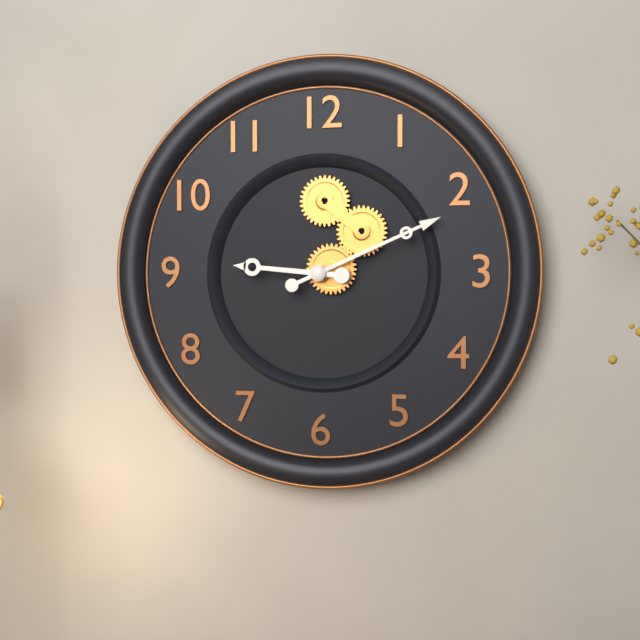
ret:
9:11
